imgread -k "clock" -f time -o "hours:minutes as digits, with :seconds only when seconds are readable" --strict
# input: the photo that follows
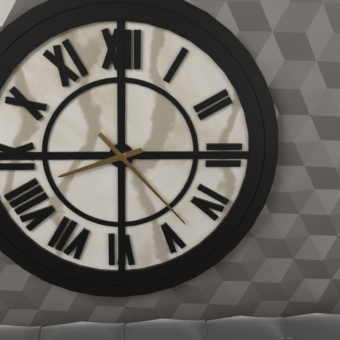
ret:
8:23
